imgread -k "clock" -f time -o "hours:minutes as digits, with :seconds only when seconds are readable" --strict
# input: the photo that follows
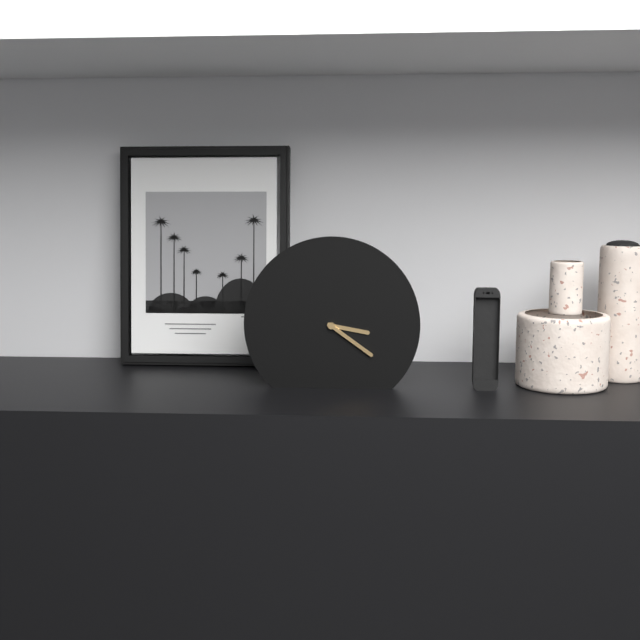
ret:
3:21
